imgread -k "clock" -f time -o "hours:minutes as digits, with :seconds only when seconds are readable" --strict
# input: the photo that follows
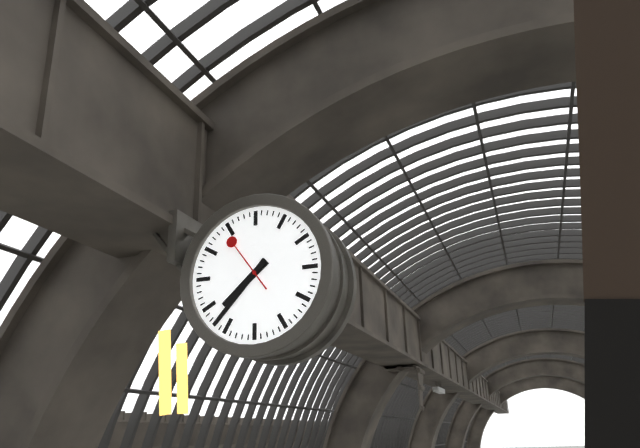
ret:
7:37:54
